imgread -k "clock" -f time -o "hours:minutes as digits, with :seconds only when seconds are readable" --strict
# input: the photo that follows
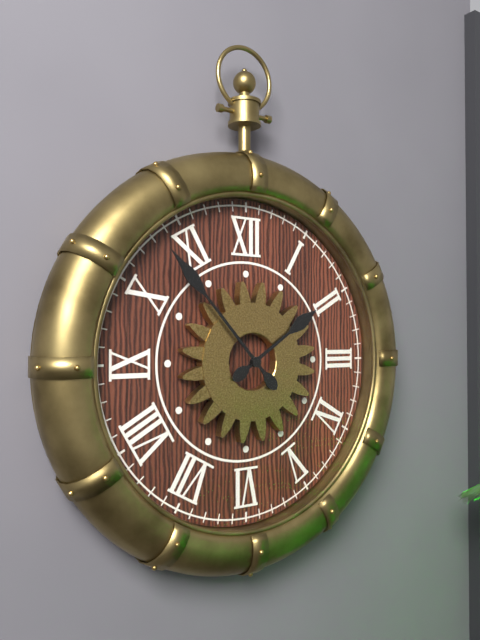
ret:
1:53
